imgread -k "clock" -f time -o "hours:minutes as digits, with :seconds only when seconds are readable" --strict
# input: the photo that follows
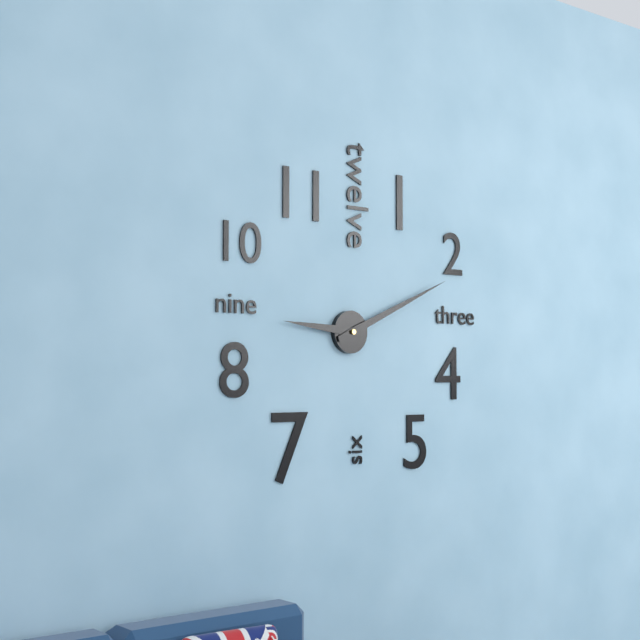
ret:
9:11
